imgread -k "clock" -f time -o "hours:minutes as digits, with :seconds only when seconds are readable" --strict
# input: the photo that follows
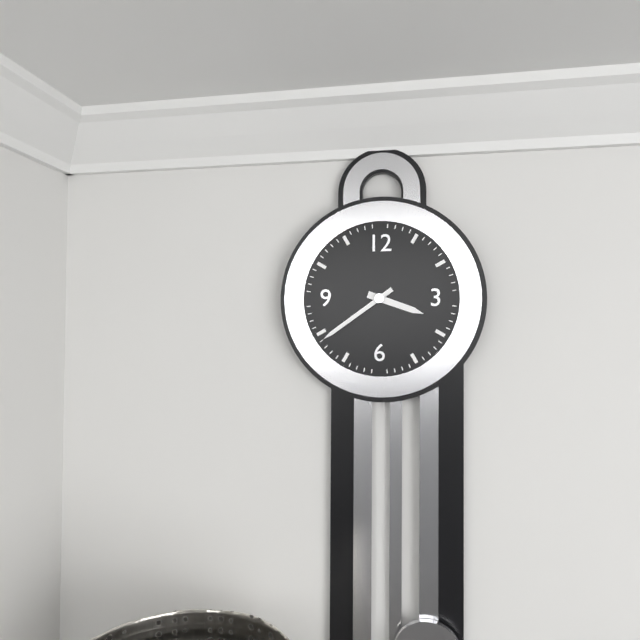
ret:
3:39
